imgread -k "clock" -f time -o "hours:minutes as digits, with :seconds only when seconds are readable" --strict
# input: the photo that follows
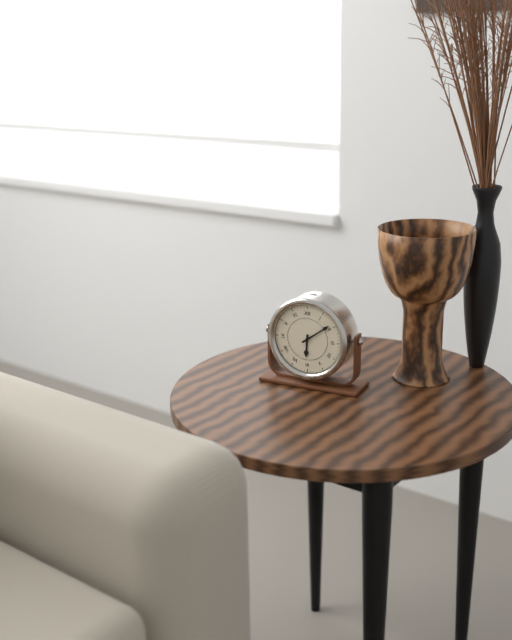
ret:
6:09
